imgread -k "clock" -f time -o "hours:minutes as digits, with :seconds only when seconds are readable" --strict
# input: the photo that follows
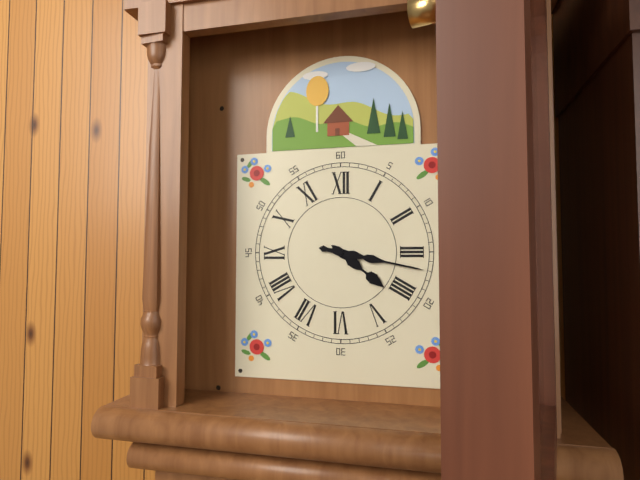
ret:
4:17
